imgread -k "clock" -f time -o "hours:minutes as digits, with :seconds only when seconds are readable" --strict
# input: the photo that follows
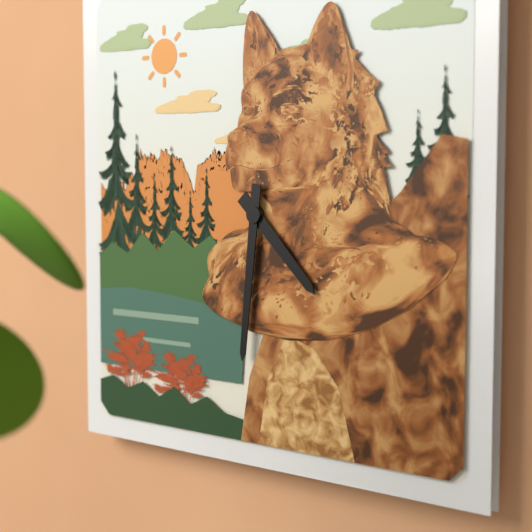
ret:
4:31
